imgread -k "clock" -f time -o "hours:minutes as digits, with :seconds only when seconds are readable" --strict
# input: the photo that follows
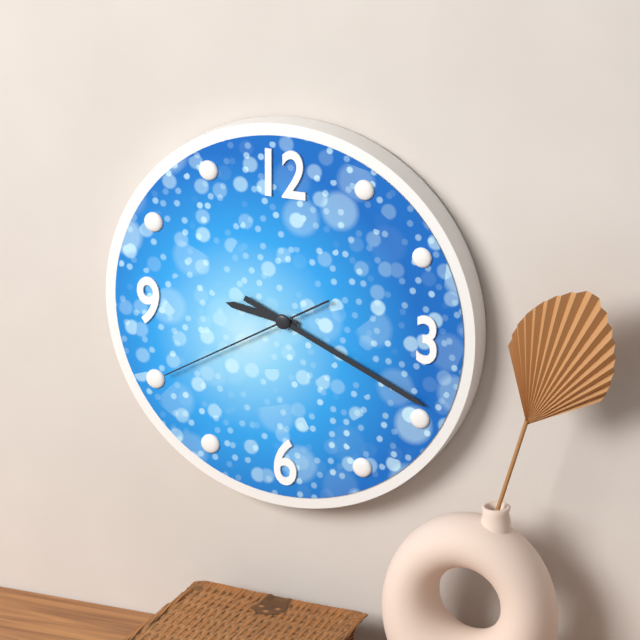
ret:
9:19:40
